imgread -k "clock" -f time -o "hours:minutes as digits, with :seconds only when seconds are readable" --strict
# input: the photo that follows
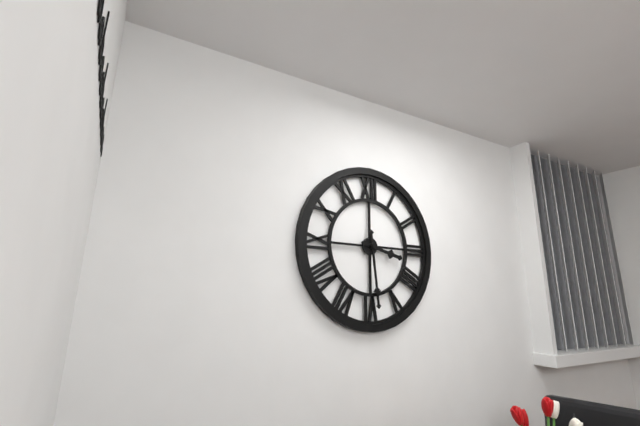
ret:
3:29
